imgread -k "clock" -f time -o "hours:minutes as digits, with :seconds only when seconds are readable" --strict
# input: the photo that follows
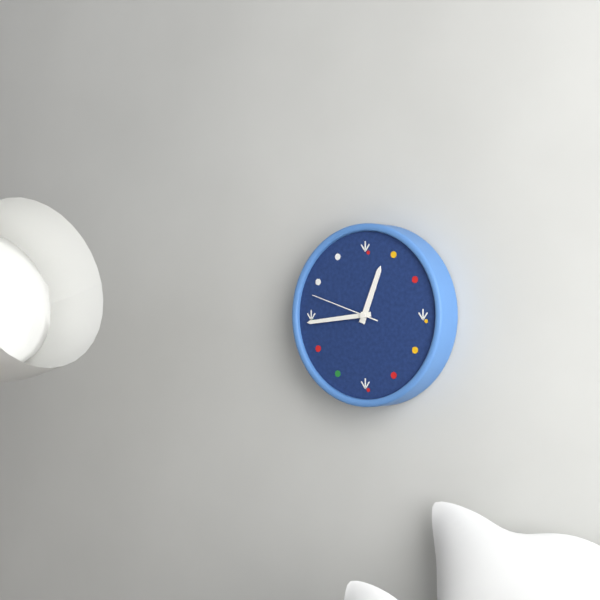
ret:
12:44:48
